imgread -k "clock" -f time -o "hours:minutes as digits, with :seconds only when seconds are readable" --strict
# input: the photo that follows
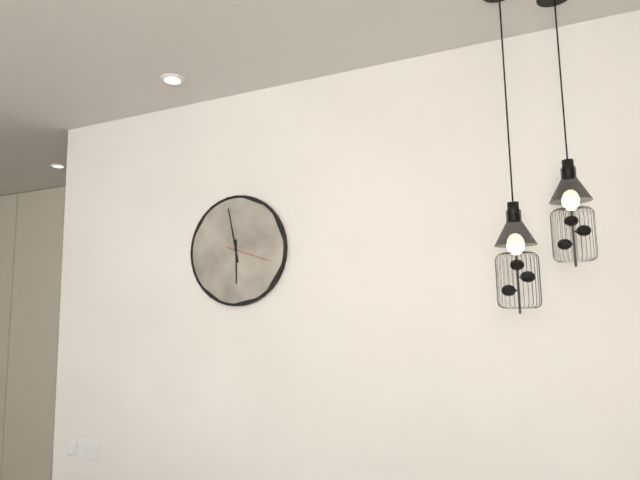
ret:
5:58
